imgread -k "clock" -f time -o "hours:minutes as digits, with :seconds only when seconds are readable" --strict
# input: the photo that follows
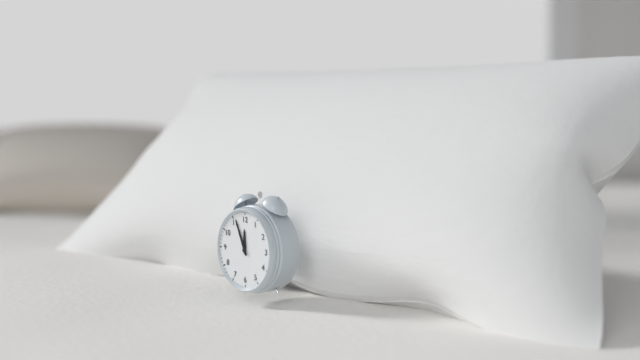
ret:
11:56
